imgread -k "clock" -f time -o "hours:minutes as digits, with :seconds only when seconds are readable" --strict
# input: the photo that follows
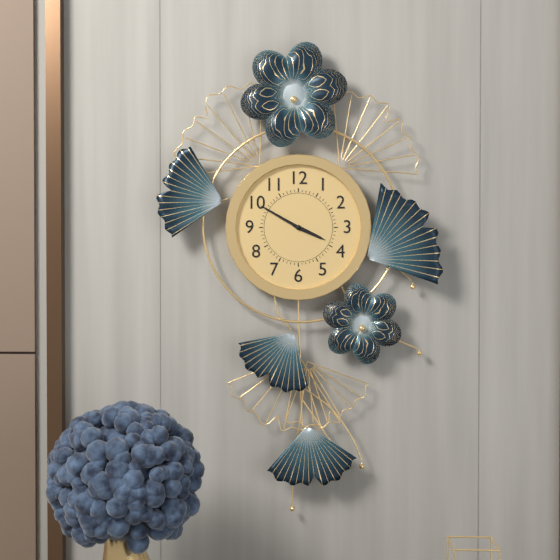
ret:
3:50
